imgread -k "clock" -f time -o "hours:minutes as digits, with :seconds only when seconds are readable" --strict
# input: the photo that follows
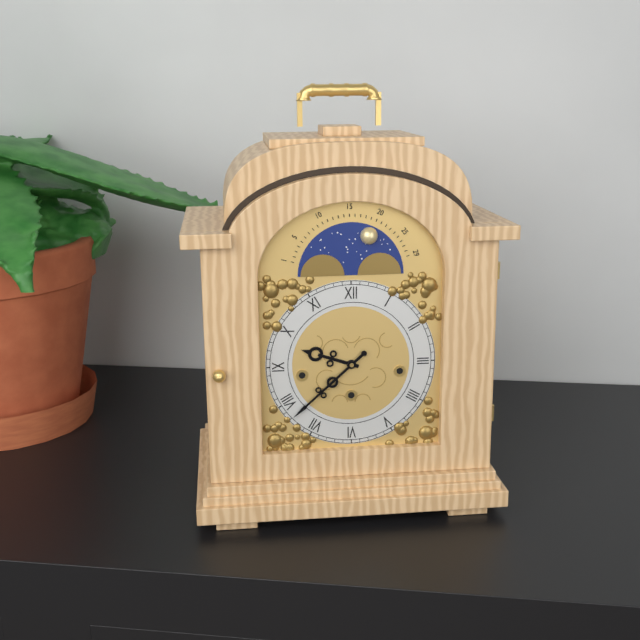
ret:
9:38
